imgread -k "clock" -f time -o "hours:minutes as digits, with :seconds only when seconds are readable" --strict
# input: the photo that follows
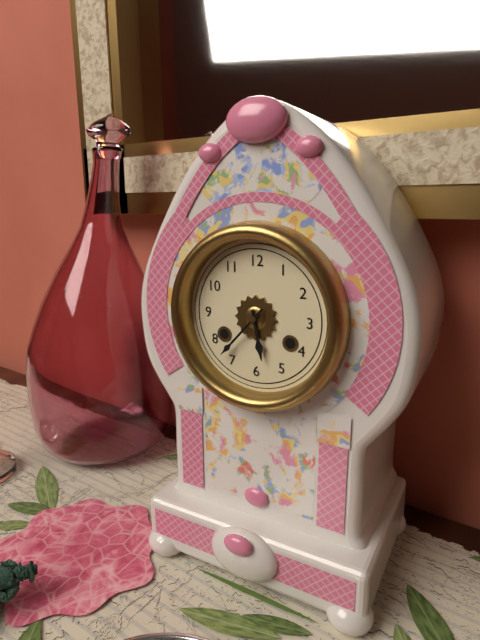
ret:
5:37
